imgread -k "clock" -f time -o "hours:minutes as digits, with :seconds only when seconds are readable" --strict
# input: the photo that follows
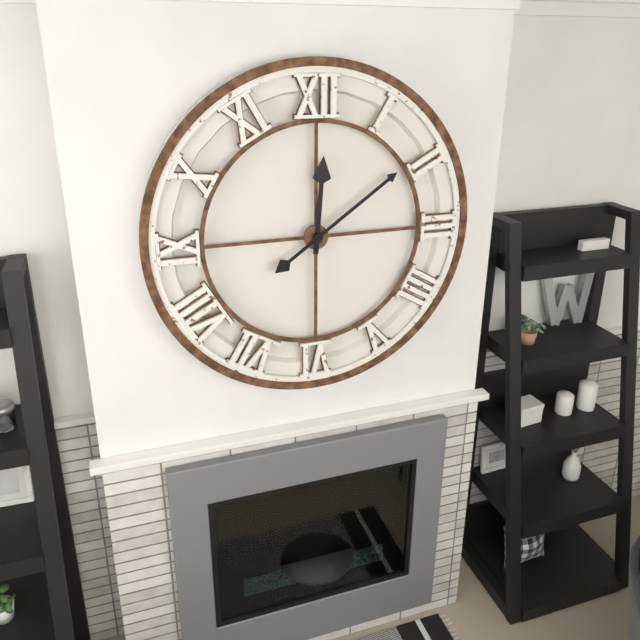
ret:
12:09
